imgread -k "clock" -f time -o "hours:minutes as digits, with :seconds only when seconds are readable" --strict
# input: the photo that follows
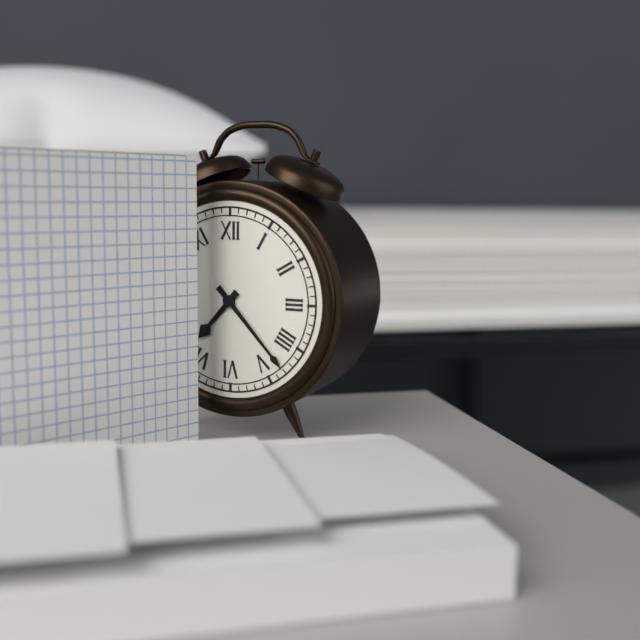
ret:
7:23
